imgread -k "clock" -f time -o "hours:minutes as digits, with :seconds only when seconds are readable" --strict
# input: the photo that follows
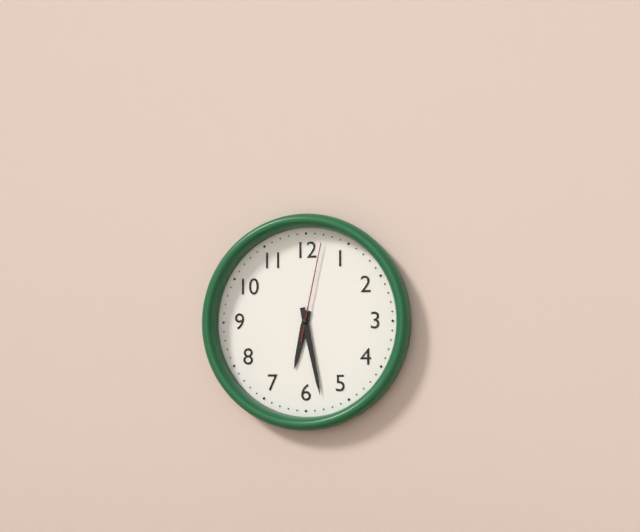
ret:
6:28:02
